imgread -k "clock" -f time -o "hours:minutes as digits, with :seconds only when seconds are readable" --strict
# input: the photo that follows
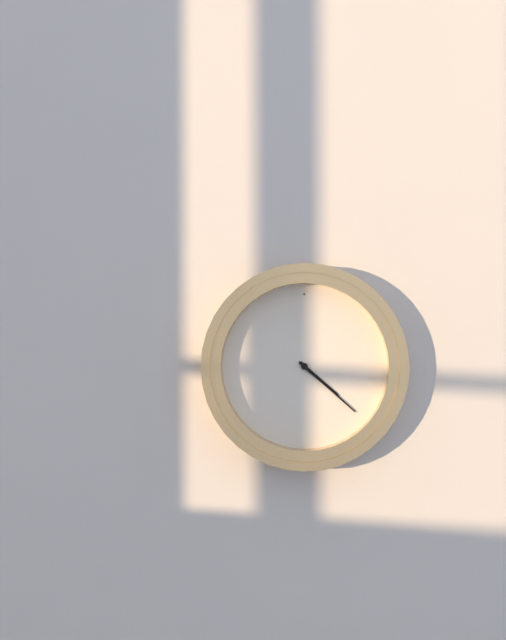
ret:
4:22
